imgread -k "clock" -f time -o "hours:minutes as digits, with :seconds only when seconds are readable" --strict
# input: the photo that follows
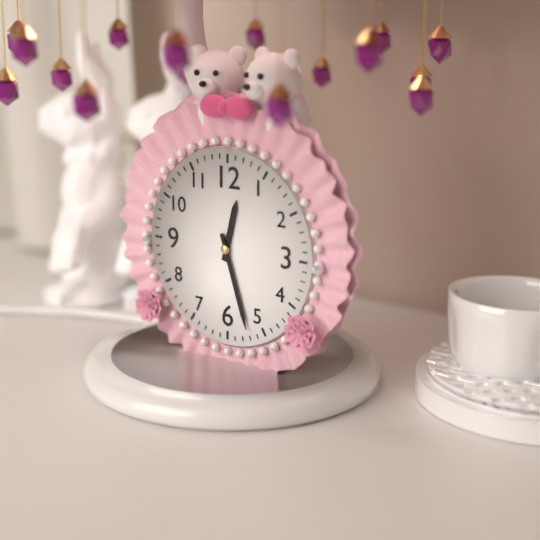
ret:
12:27
